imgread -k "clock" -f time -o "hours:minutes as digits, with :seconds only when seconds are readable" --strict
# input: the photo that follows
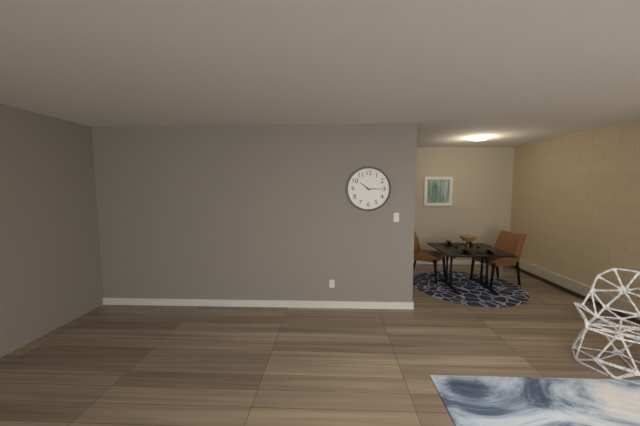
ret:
10:15
